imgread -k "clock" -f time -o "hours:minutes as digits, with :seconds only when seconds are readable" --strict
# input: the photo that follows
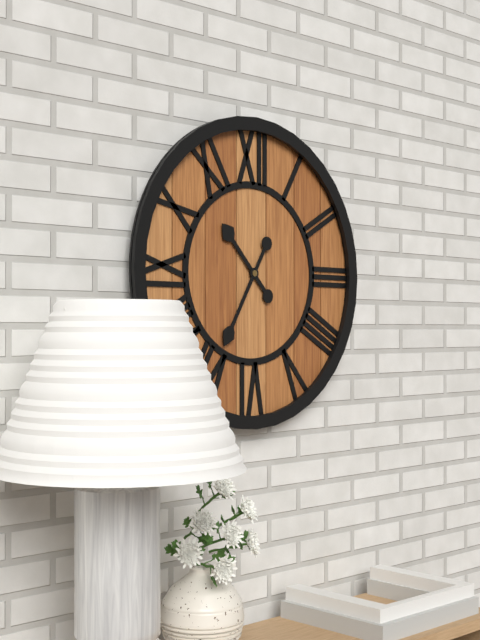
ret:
10:35
